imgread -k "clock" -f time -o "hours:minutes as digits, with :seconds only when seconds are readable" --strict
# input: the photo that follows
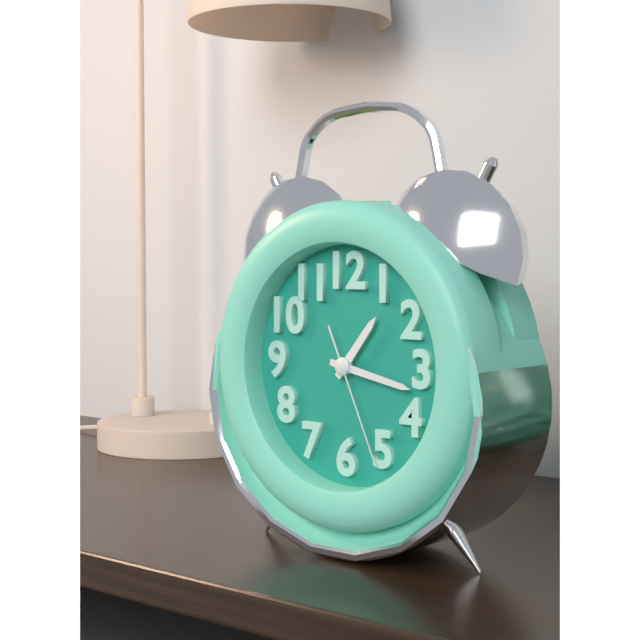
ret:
1:17:26
